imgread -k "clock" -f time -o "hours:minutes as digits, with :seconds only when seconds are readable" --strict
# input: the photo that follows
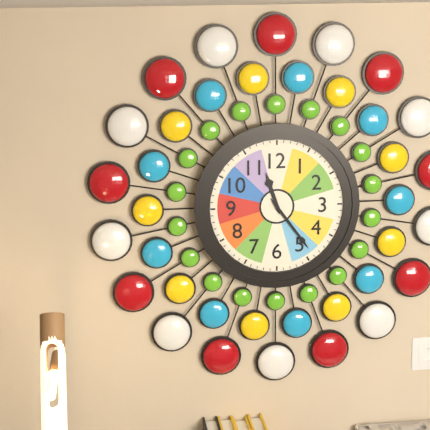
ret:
11:24
